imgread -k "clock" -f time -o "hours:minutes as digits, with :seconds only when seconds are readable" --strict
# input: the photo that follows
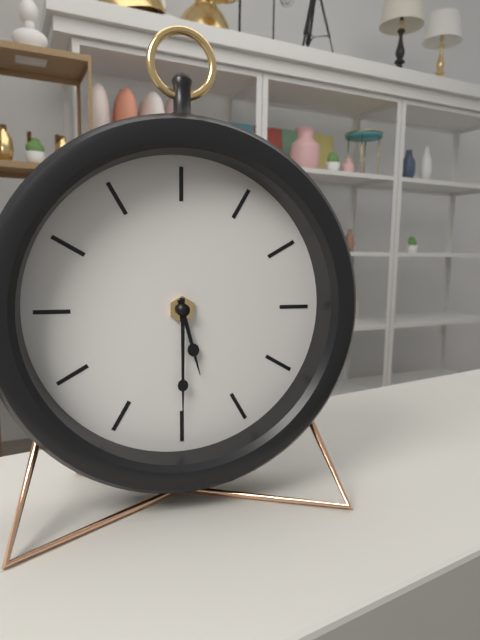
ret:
5:30
